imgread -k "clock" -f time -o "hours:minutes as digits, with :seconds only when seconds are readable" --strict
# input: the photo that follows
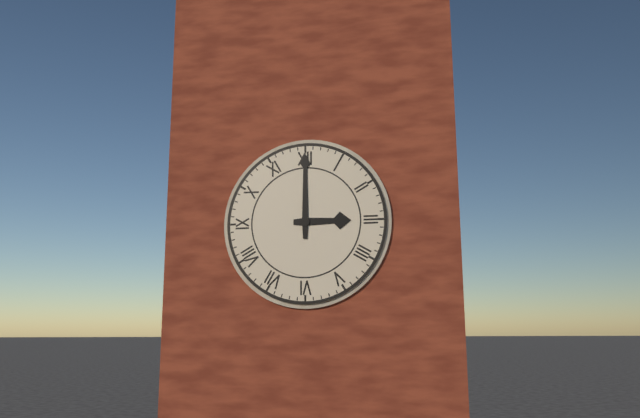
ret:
3:00
